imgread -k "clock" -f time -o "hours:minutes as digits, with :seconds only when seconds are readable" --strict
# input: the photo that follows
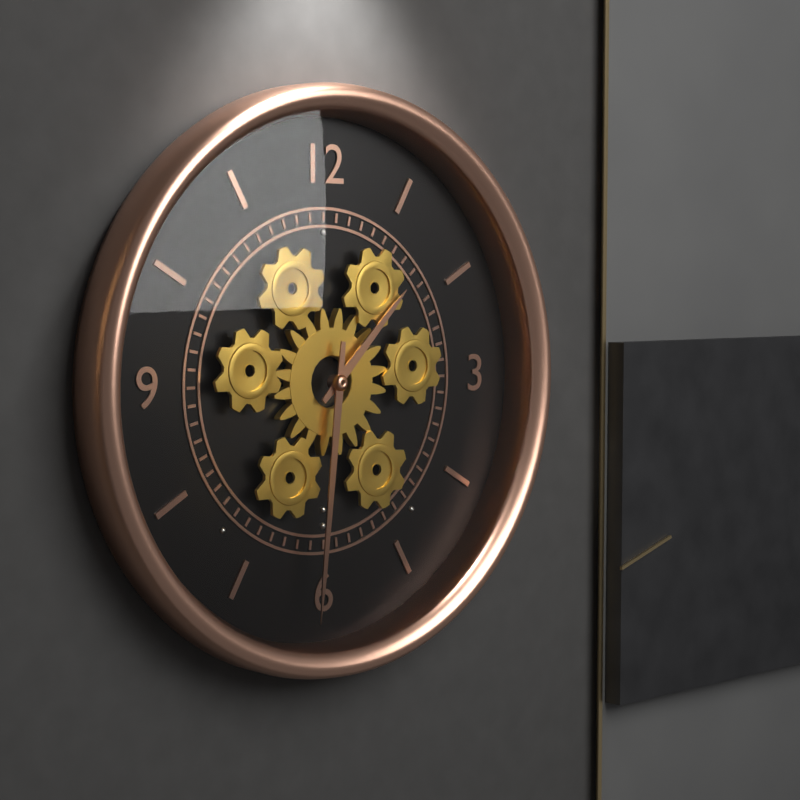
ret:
1:31
